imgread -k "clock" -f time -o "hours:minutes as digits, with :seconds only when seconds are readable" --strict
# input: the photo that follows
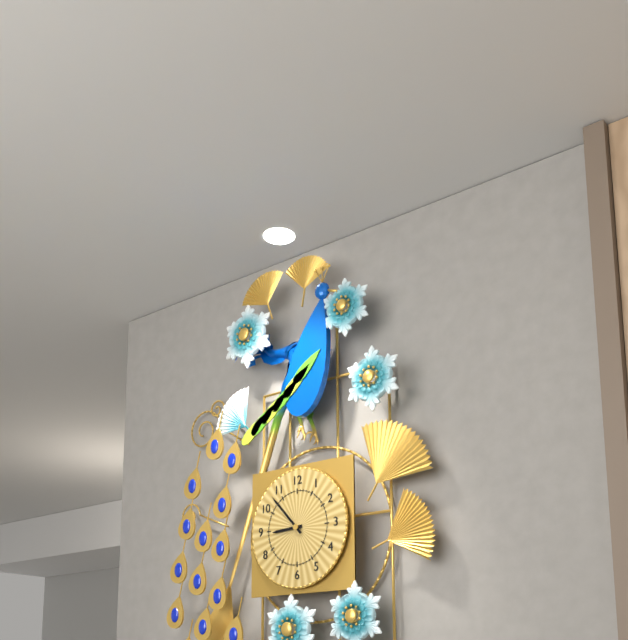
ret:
8:53
